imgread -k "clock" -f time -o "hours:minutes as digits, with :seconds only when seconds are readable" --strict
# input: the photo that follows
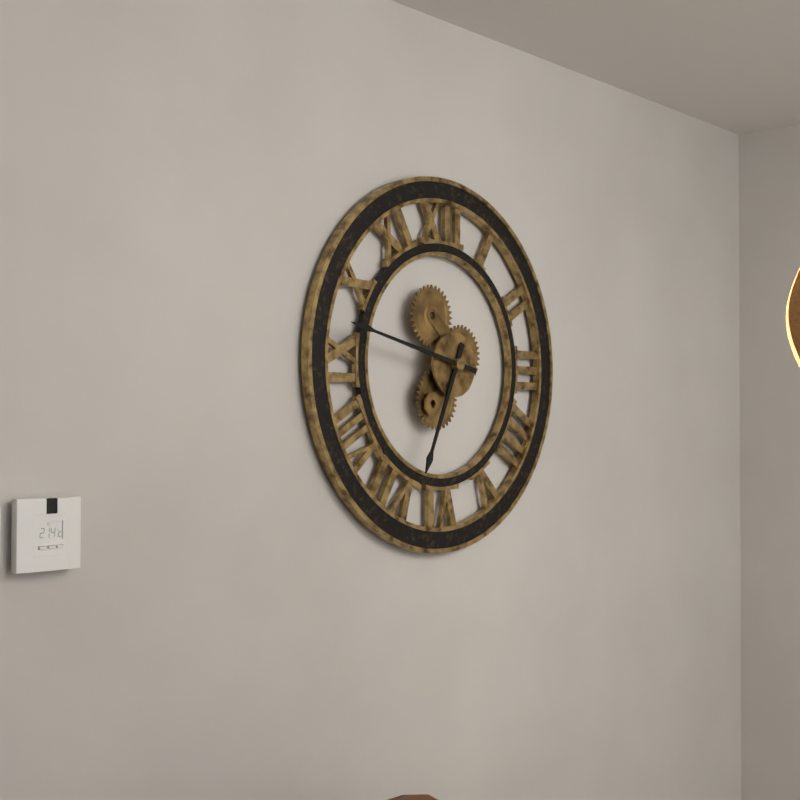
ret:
6:47
